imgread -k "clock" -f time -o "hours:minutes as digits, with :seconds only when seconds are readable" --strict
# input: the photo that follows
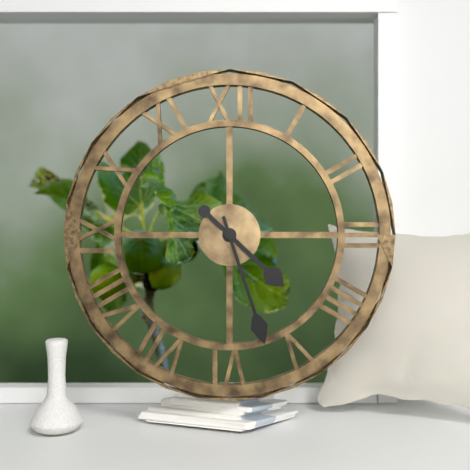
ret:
4:27
